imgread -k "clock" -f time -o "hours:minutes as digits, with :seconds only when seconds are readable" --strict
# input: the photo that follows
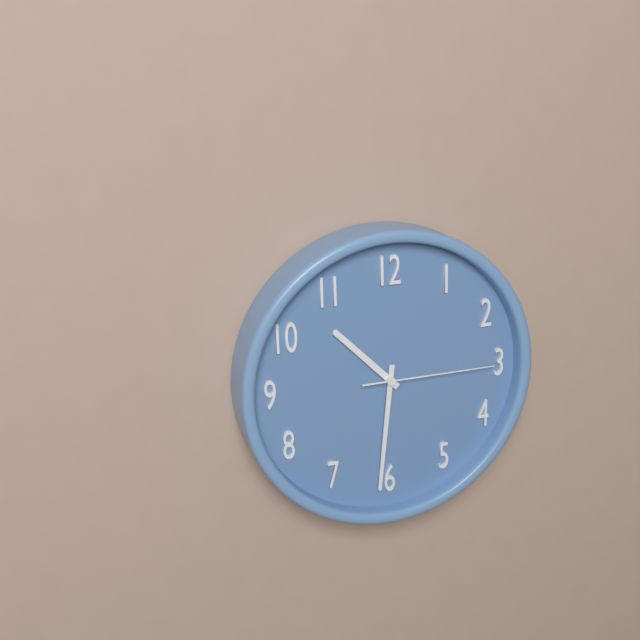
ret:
10:31:15
